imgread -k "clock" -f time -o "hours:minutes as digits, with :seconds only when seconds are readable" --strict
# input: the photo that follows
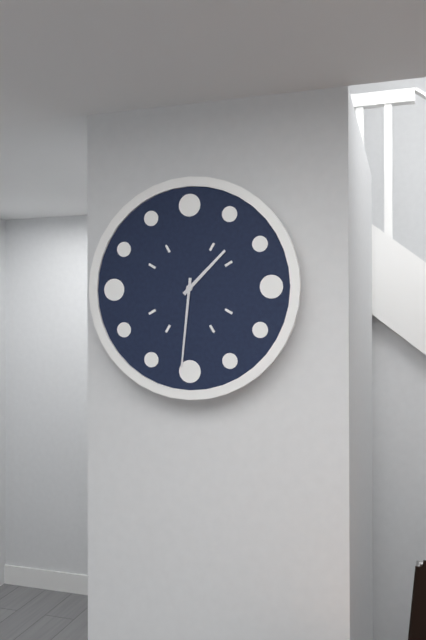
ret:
1:31
